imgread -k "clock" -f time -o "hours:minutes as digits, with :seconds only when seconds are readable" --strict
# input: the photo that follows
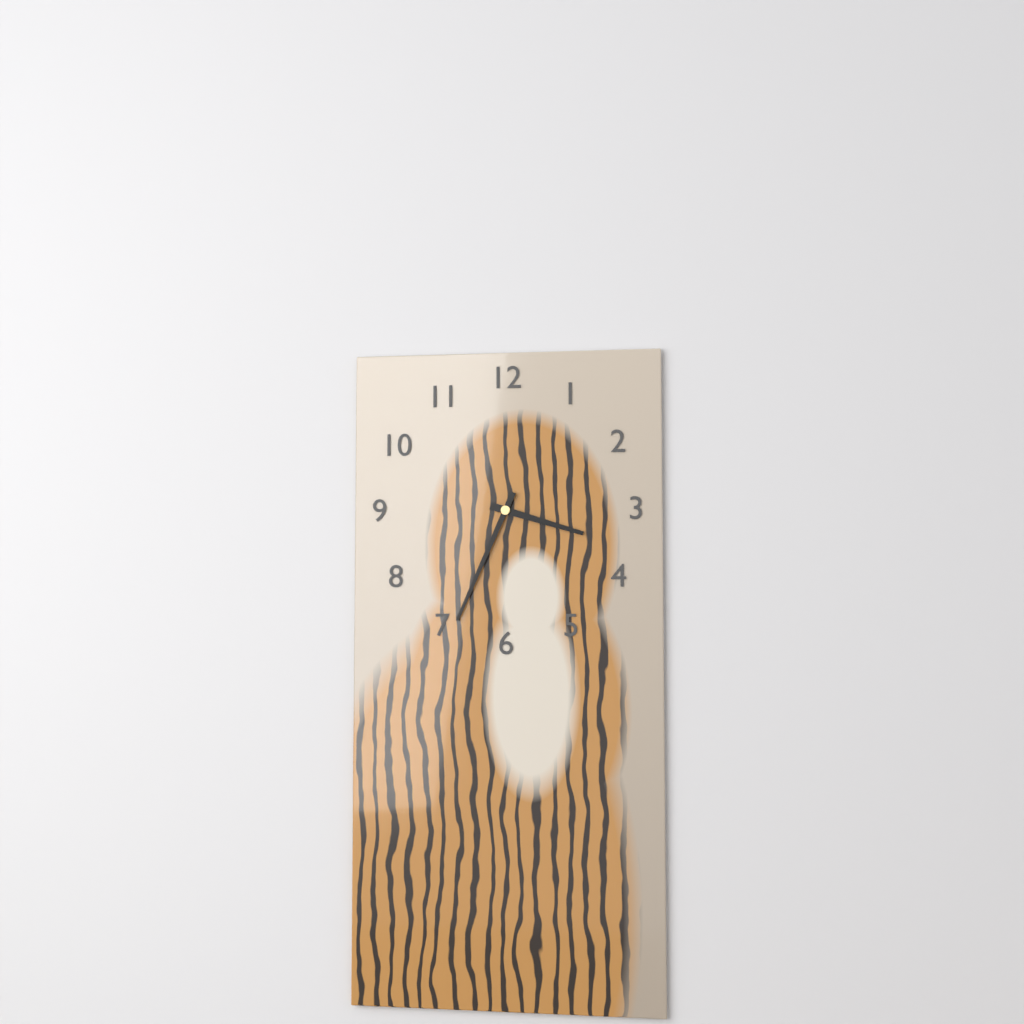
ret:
3:34
